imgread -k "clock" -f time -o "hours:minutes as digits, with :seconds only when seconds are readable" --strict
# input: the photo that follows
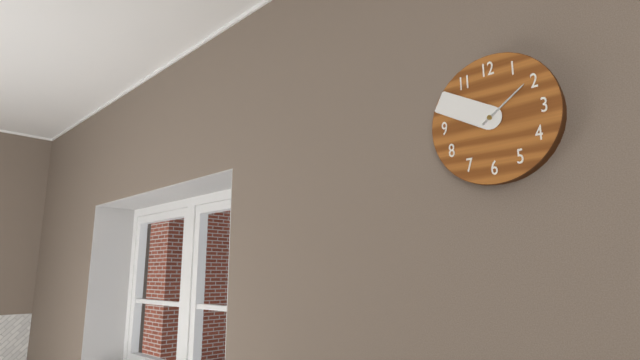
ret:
1:50
